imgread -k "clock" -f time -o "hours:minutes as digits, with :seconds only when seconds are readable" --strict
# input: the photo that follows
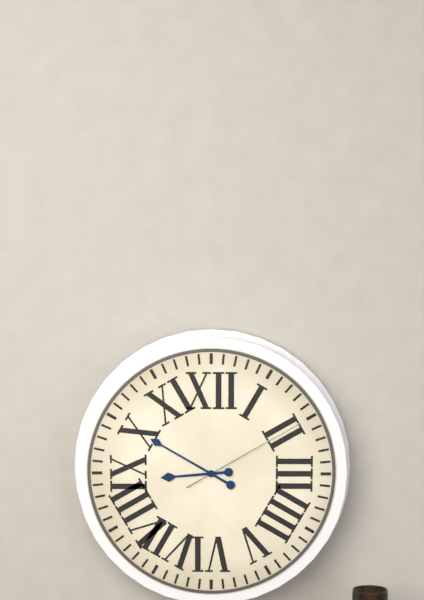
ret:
8:50:10
